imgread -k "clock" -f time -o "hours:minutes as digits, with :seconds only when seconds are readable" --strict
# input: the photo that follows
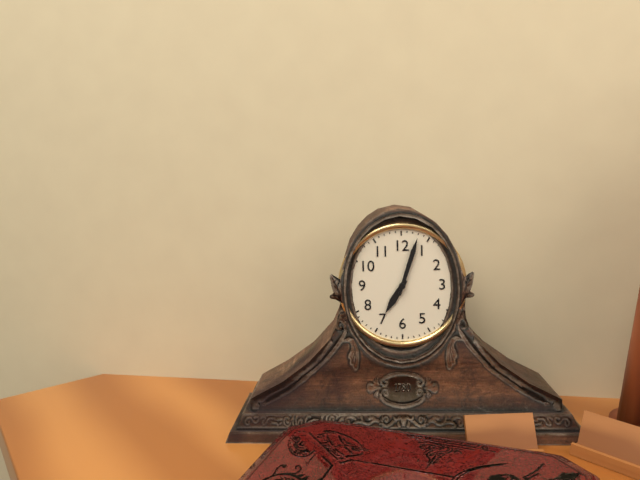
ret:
7:03
